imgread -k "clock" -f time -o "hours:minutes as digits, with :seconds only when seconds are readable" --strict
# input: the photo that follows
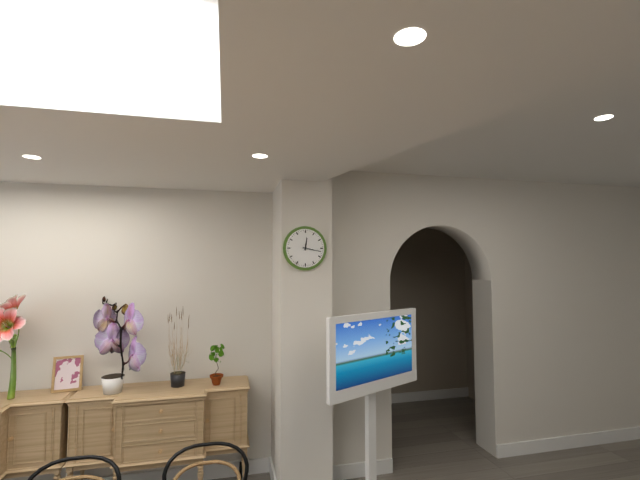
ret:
12:17
